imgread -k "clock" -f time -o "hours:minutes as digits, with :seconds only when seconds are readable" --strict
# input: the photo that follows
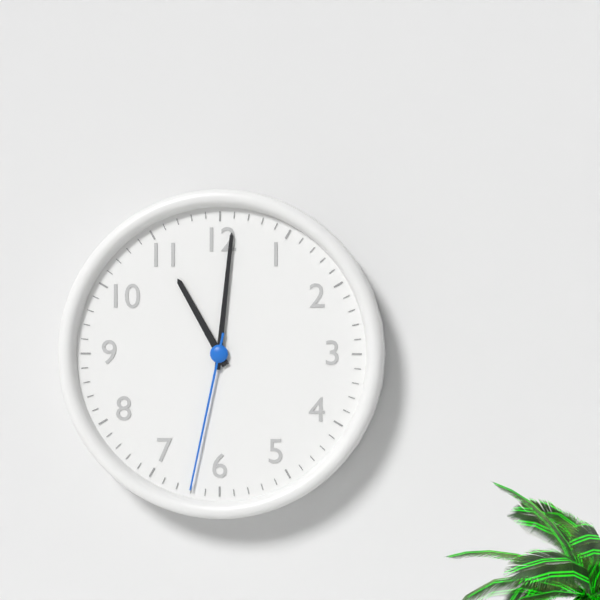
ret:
11:01:32
